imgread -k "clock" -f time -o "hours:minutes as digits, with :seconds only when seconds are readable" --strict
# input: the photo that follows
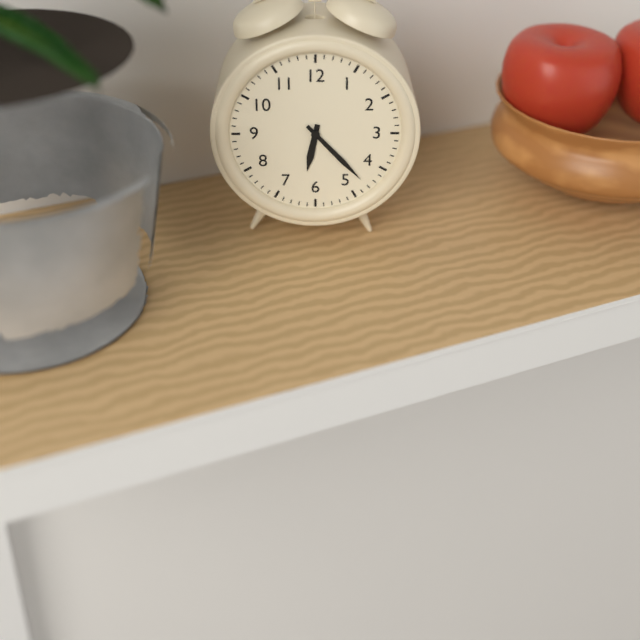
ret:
6:23
